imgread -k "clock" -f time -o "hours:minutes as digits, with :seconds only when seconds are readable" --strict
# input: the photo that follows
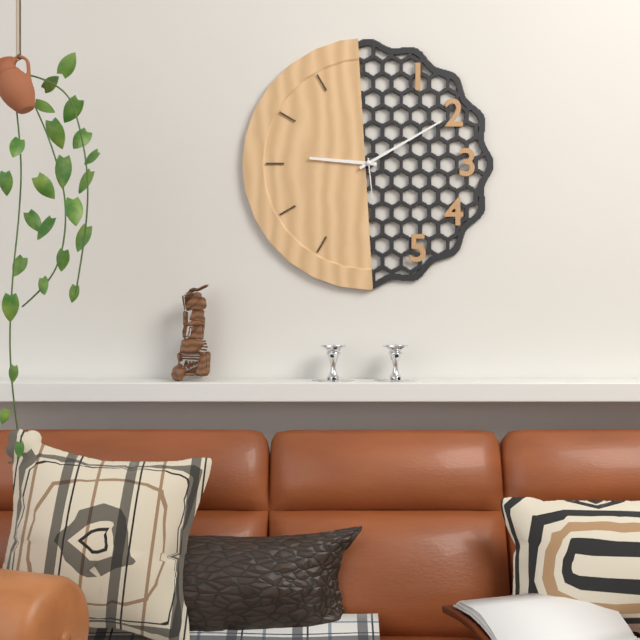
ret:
9:10
